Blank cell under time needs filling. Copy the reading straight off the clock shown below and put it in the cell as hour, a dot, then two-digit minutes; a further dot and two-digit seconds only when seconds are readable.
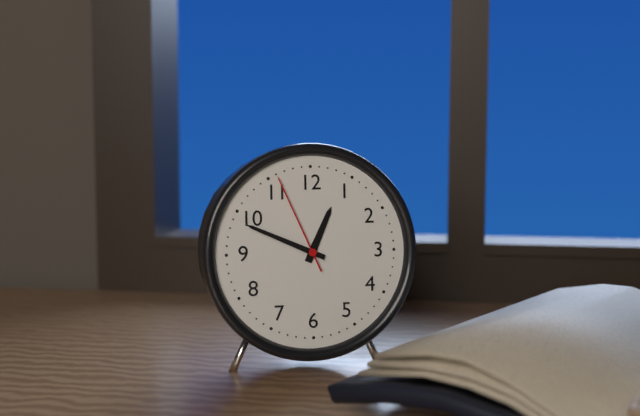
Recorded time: 12.49.56
